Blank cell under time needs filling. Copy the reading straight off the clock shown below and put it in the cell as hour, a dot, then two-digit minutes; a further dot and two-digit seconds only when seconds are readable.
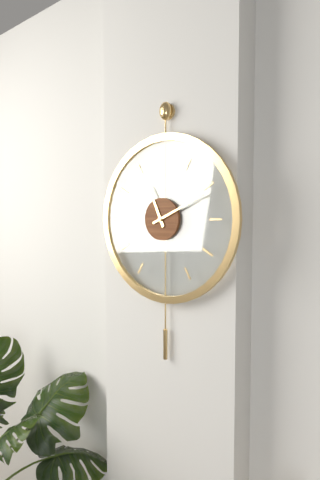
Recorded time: 11.11
